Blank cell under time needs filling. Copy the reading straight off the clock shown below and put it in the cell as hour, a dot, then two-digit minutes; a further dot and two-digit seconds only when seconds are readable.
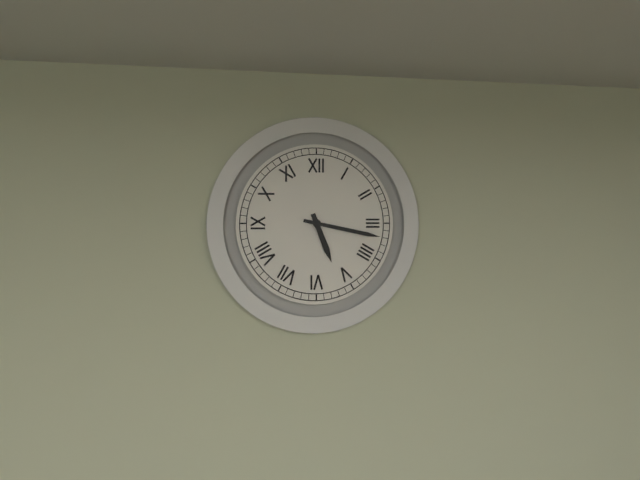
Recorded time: 5.17
